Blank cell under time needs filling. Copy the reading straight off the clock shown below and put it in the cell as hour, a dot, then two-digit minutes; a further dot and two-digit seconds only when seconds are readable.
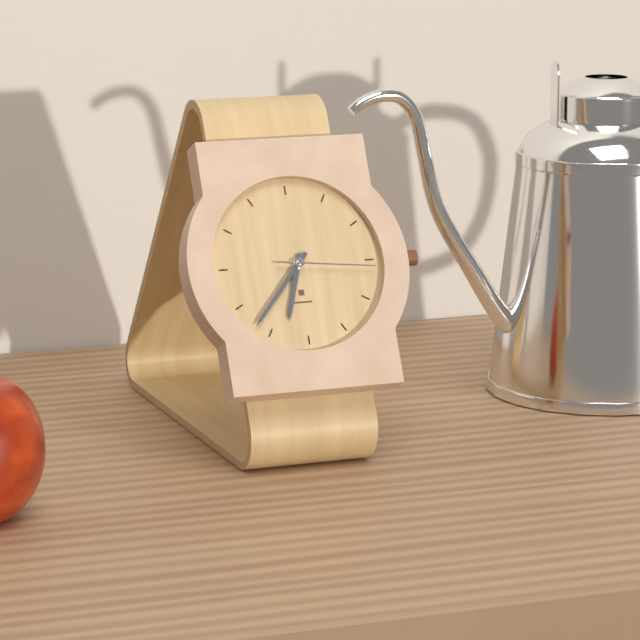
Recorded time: 6.37.16
